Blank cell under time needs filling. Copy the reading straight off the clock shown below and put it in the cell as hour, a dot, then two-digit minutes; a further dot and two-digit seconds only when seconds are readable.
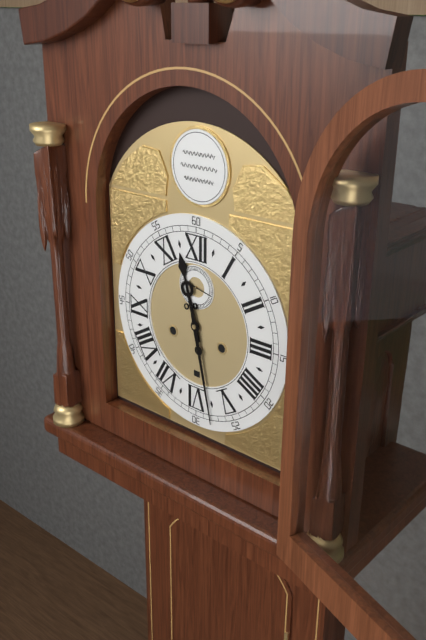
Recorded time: 11.28
